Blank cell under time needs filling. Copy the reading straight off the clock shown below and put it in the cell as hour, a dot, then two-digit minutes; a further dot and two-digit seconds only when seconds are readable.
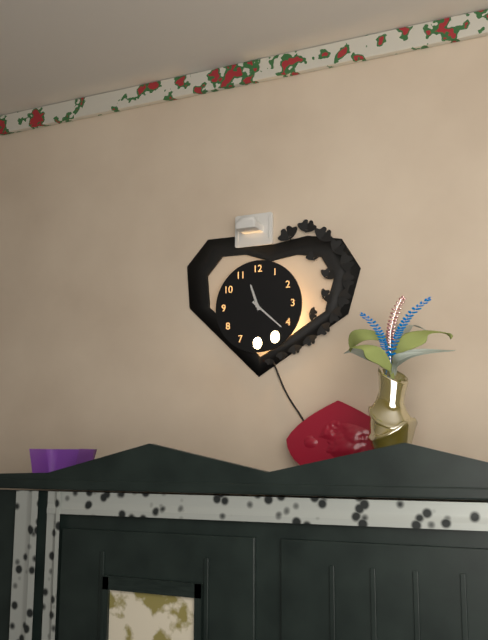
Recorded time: 11.22
